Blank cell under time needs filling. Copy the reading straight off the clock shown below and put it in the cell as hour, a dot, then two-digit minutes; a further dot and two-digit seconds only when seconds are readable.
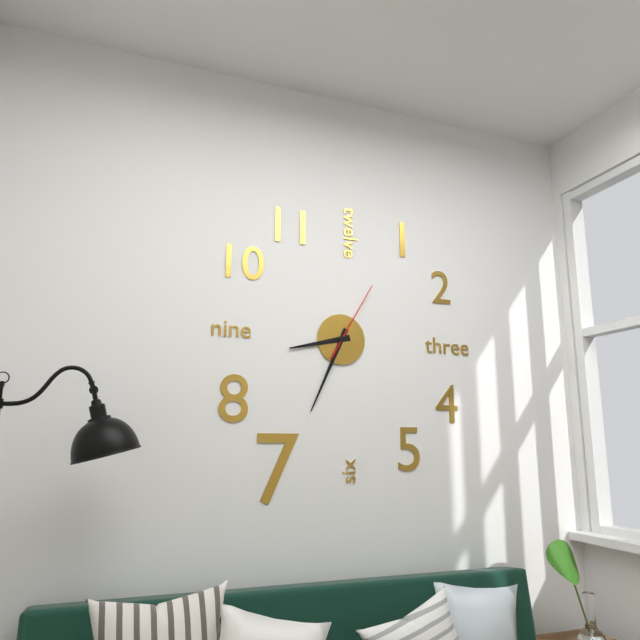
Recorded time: 8.34.05
